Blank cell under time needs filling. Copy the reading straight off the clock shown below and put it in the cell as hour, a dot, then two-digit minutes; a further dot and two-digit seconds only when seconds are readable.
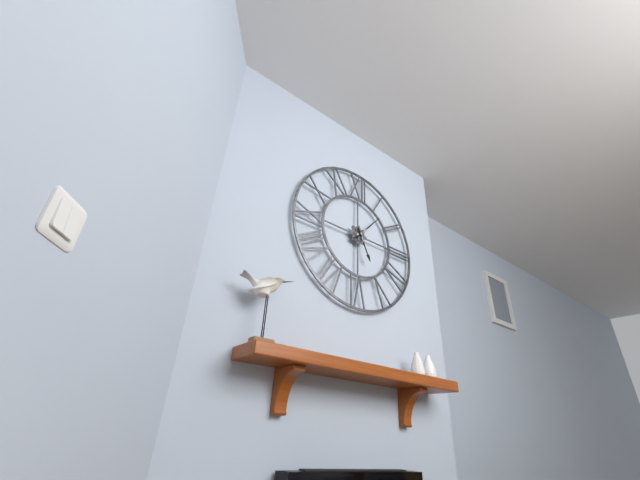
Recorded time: 5.07
